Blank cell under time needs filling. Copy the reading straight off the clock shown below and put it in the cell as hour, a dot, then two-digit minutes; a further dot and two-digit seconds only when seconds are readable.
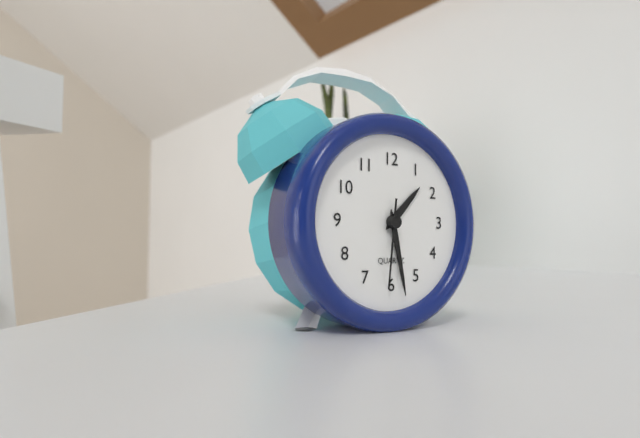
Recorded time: 1.28.31
